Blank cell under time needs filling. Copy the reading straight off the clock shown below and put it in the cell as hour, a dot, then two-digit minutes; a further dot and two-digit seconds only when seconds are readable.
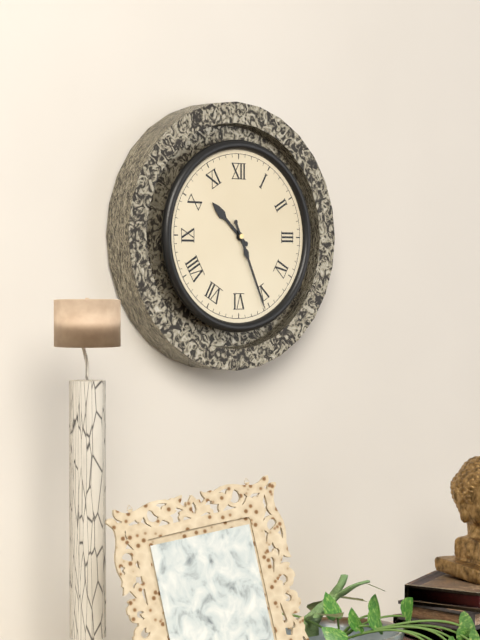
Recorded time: 10.26
